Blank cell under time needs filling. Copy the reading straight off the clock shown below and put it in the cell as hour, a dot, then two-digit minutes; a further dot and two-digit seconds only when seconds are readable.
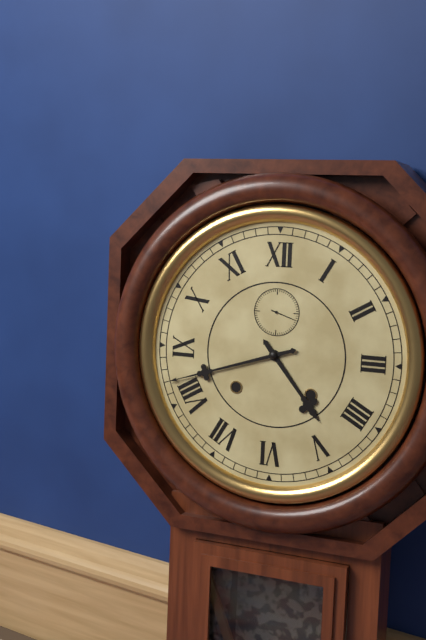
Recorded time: 4.42
